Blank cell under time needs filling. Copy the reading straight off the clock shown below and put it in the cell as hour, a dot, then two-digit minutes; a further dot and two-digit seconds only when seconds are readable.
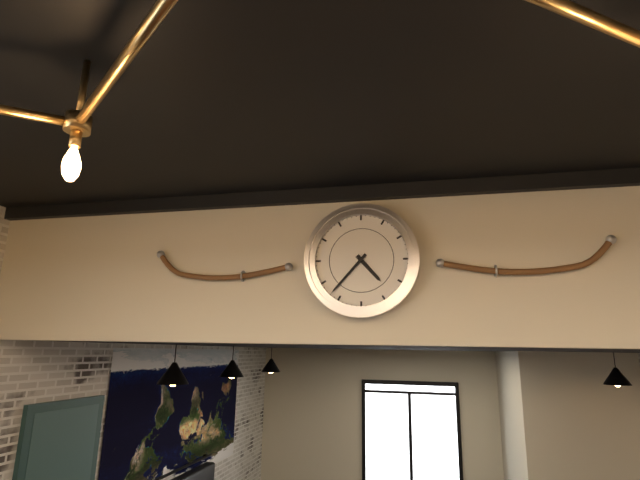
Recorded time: 4.37
